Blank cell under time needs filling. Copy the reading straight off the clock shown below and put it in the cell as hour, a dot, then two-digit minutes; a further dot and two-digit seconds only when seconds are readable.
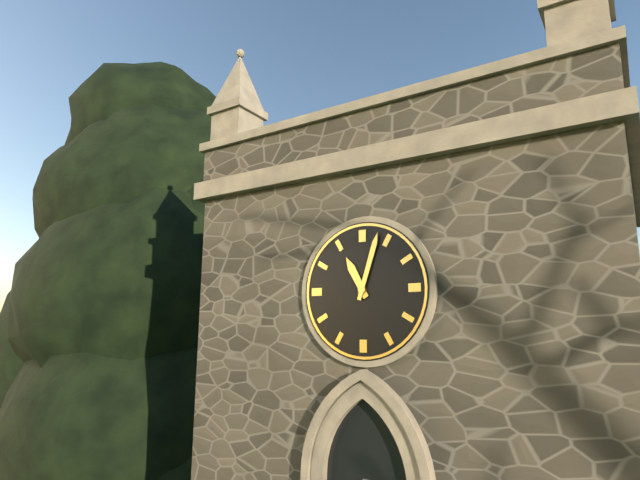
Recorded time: 11.03
